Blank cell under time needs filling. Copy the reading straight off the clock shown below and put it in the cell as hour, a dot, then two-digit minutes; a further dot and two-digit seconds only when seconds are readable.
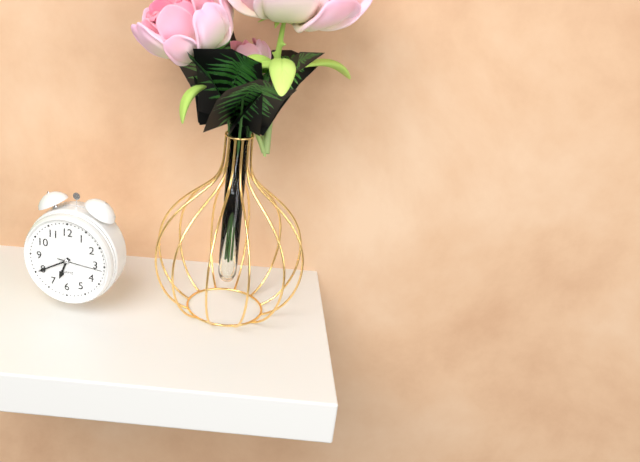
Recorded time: 6.40
